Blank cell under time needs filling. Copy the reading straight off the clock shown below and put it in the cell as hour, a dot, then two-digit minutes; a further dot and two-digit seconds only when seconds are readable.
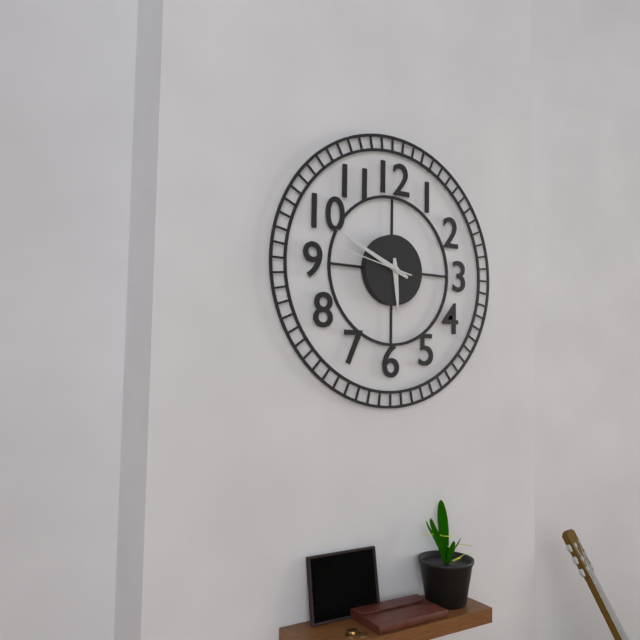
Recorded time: 5.49.47
